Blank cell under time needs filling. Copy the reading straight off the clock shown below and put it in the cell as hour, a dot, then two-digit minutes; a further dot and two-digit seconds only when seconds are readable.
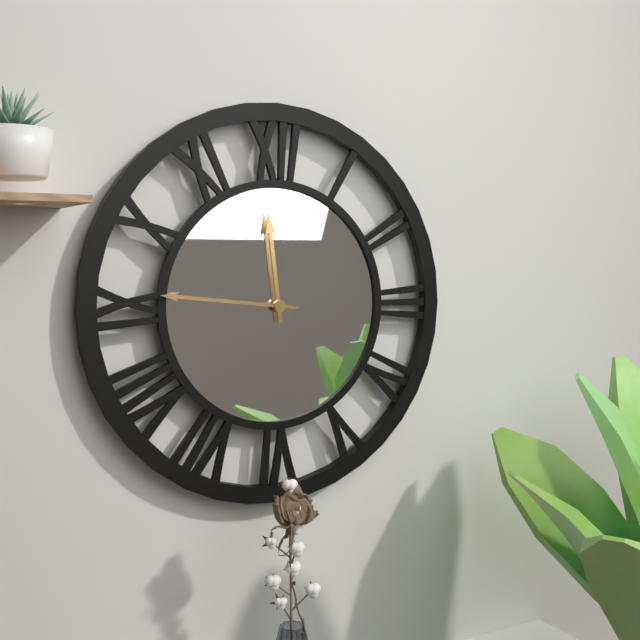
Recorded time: 11.46
